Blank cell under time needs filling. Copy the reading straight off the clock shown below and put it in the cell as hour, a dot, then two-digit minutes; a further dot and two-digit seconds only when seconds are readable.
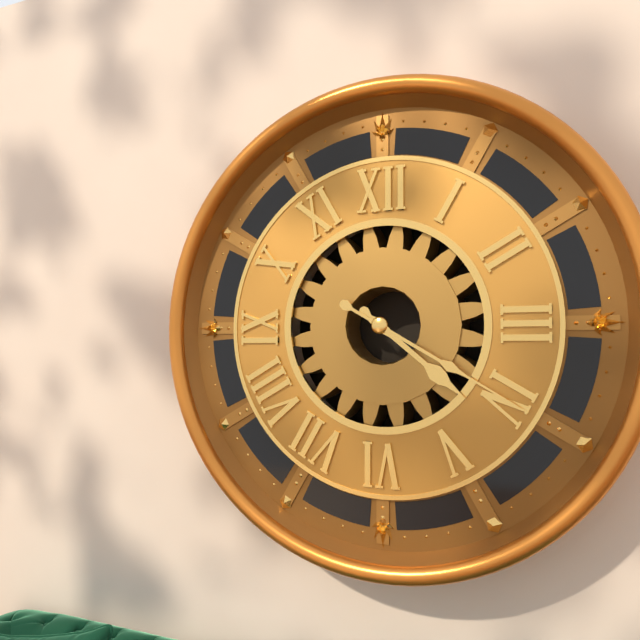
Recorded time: 4.20
